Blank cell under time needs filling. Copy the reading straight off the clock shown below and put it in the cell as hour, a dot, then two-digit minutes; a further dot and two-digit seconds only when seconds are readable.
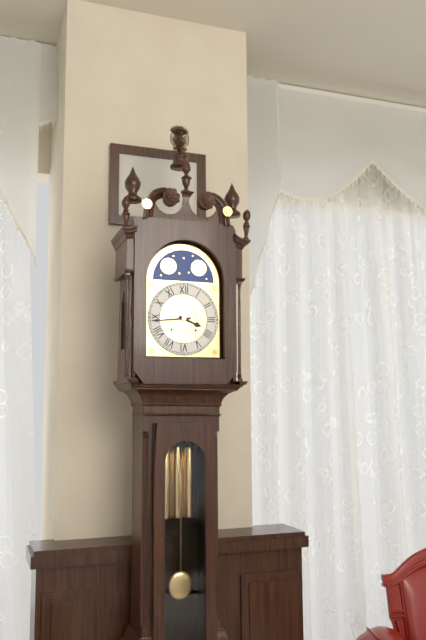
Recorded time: 3.44
